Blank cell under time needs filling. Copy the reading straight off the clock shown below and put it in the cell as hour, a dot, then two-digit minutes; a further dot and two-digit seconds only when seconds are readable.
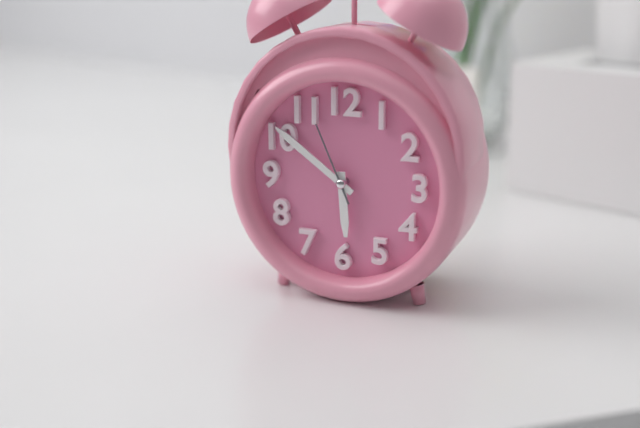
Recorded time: 5.51.56
